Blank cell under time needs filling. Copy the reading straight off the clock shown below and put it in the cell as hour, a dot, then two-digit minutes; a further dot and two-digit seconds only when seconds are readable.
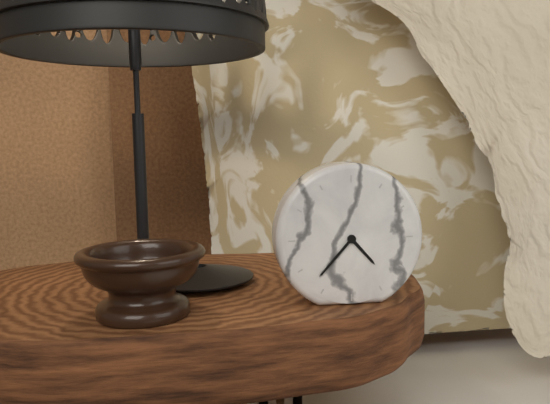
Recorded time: 4.37
